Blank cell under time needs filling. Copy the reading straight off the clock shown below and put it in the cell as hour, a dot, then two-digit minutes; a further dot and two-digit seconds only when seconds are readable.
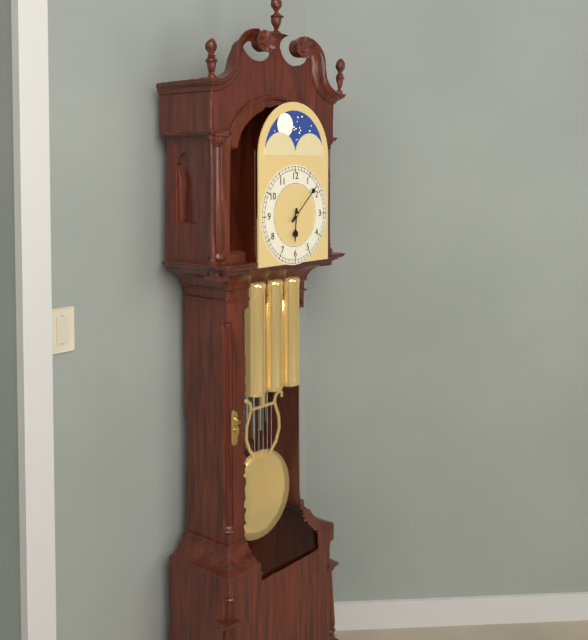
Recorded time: 6.08
